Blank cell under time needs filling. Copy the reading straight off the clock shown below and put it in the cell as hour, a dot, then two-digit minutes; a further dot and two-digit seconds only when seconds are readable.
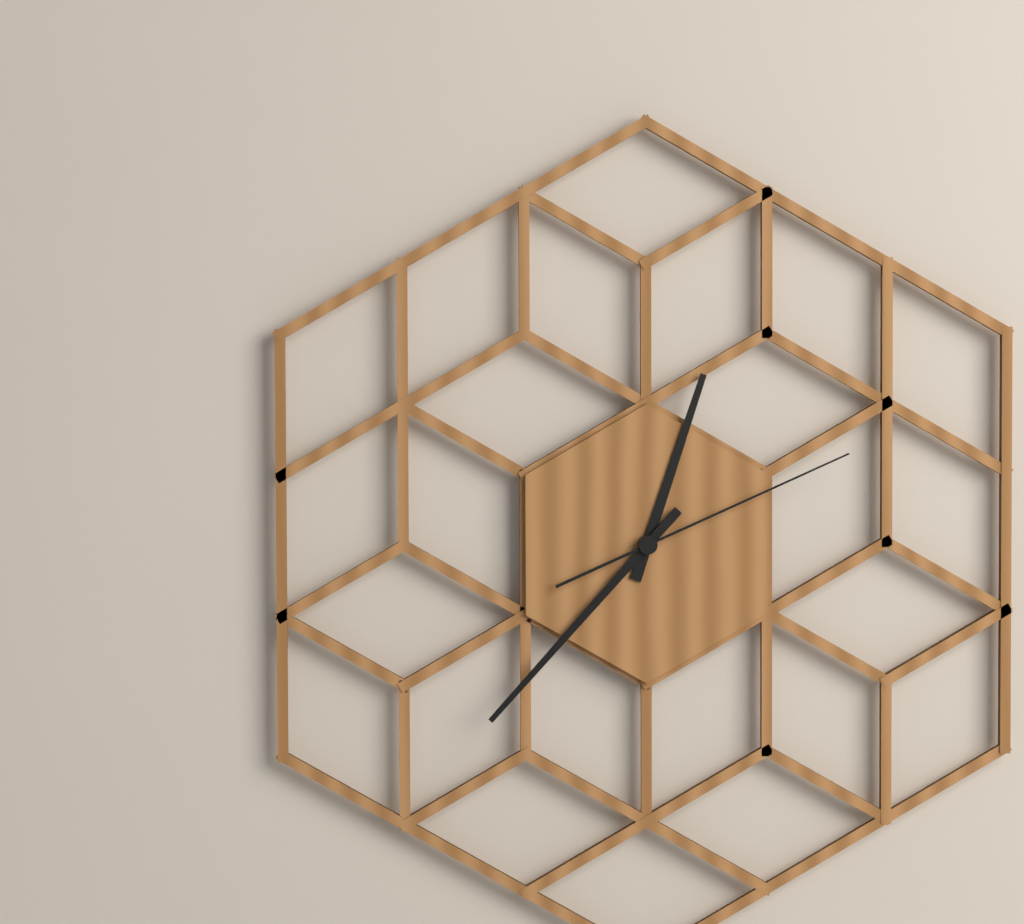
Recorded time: 12.37.11
